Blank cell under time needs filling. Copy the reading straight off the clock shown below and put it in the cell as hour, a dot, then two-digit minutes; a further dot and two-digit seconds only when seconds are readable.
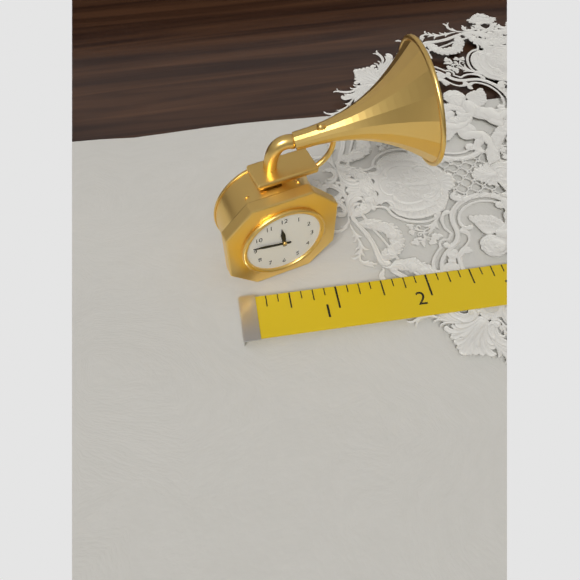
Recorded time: 11.47
